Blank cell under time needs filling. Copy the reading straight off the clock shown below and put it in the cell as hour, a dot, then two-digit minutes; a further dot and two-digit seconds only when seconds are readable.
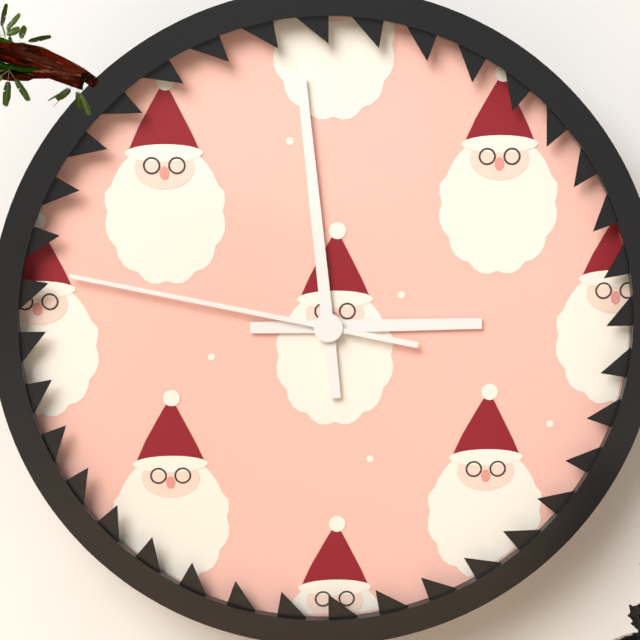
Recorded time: 2.59.47
